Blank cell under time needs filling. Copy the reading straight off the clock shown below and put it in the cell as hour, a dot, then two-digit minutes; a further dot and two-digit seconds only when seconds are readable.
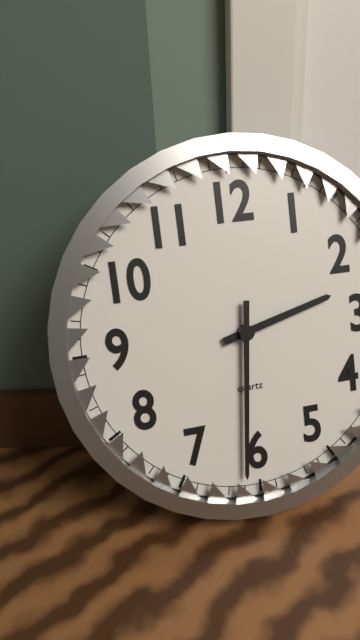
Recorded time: 2.31
